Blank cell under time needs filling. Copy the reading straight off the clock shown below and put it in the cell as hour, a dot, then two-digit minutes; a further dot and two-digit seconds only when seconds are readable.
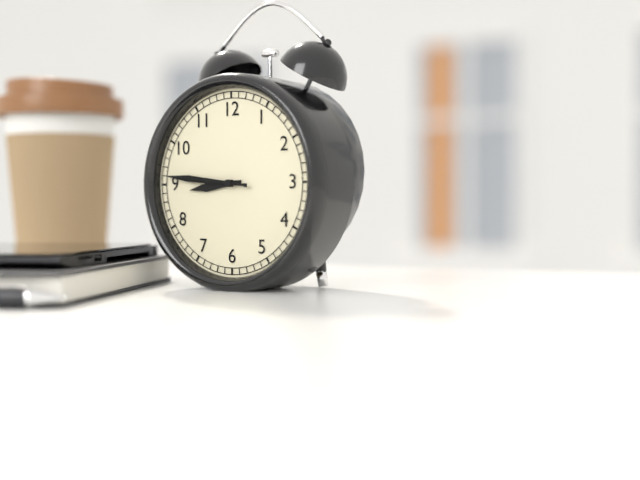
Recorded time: 8.46.46
